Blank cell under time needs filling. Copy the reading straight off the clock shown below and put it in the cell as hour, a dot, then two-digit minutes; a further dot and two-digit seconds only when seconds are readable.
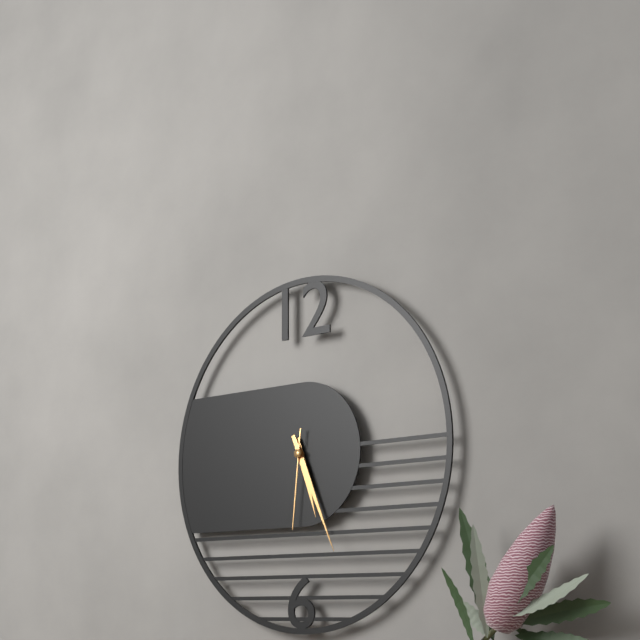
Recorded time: 5.26.31
